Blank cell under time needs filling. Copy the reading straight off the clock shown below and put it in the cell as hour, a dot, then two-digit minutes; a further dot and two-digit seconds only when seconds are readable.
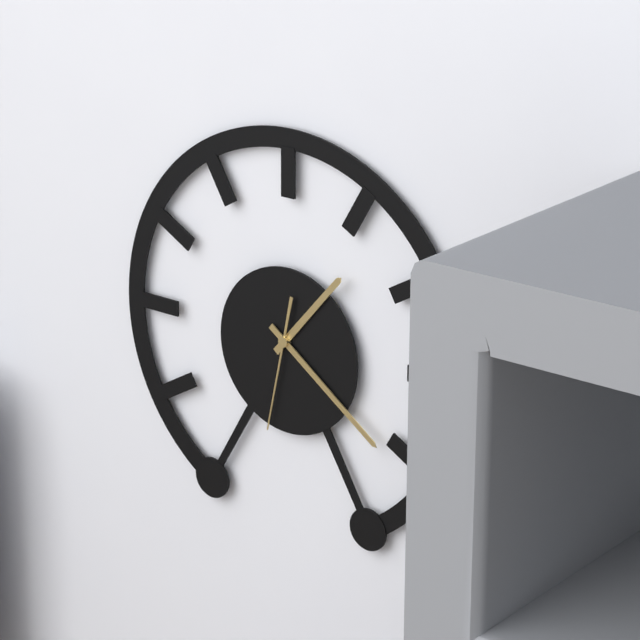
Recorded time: 1.21.32
